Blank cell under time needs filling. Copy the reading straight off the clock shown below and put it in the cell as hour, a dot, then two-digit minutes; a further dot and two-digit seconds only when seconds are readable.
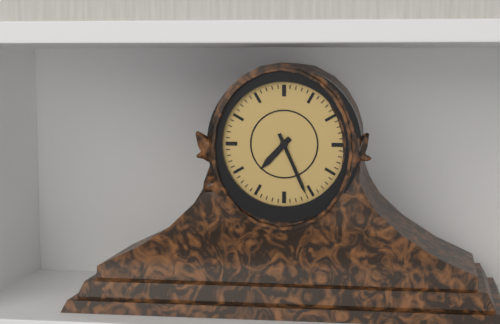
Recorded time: 7.26
